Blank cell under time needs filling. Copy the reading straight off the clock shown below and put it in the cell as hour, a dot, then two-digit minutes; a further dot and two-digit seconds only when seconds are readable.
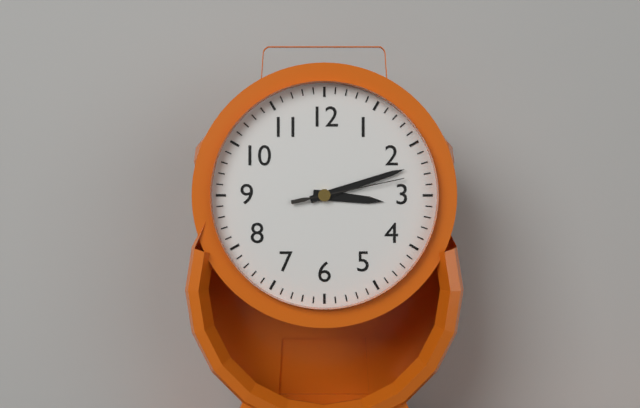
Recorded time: 3.12.13
